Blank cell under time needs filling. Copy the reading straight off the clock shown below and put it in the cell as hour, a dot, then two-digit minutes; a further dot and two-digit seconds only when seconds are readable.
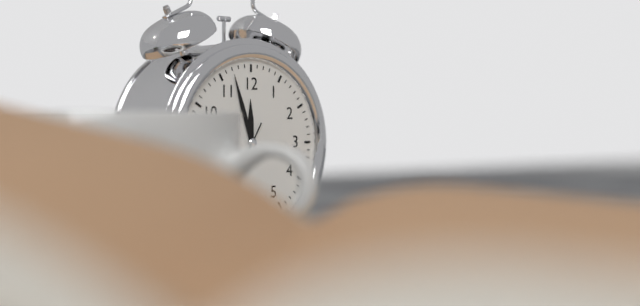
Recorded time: 11.57
